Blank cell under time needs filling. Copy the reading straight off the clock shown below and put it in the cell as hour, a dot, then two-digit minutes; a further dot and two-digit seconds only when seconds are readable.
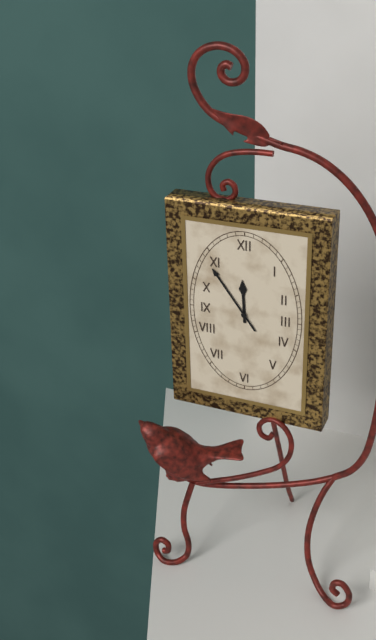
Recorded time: 11.54
